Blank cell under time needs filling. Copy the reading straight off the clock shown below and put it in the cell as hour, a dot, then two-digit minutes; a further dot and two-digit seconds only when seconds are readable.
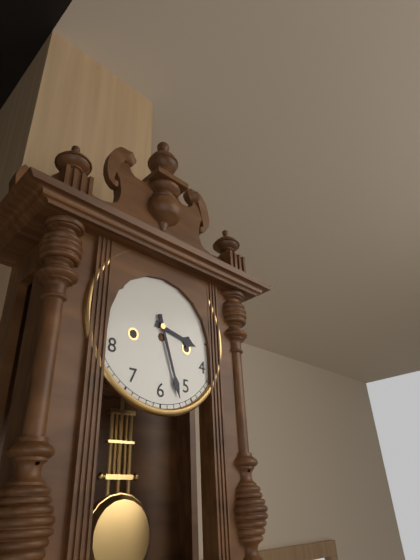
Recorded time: 3.27
